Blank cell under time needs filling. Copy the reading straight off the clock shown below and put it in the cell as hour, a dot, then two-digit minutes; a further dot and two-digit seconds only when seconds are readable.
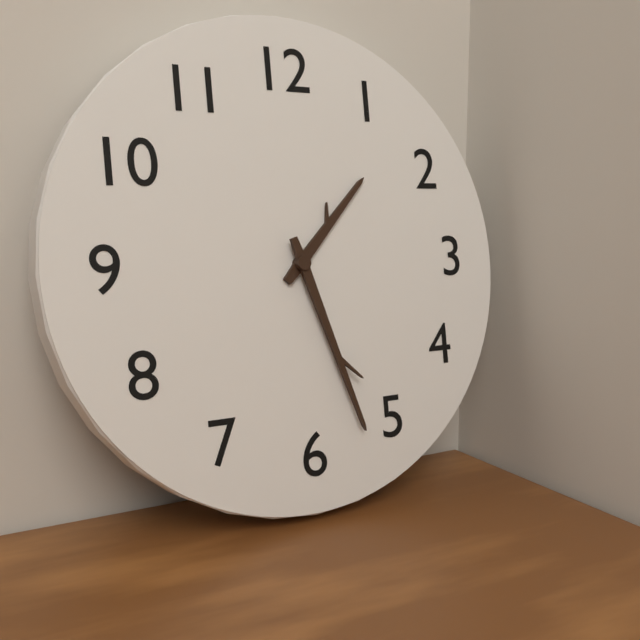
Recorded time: 1.27
